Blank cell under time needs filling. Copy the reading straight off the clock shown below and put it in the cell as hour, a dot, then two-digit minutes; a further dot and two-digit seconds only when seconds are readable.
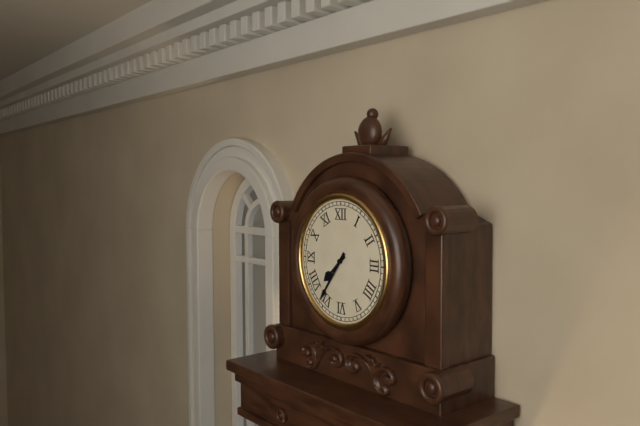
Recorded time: 7.36
